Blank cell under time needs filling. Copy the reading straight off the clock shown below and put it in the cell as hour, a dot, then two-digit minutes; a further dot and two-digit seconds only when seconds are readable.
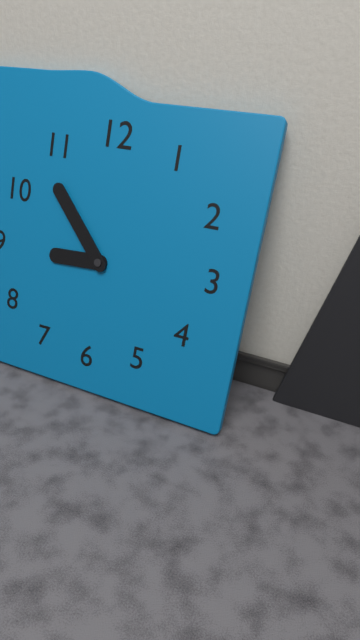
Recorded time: 8.53
